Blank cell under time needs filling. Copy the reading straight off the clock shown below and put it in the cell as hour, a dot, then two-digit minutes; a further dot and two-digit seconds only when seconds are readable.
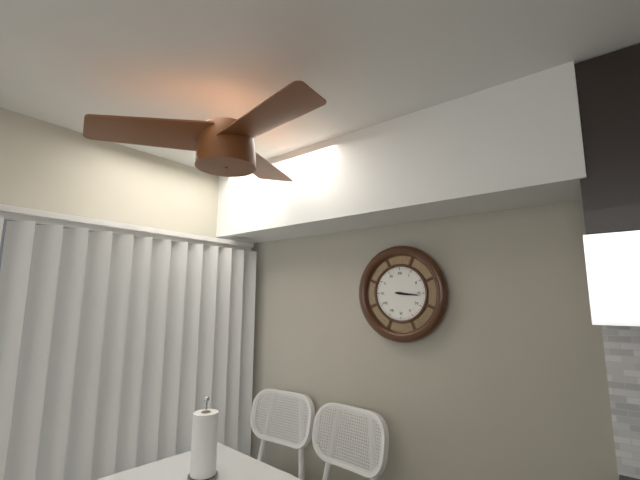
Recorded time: 3.16
